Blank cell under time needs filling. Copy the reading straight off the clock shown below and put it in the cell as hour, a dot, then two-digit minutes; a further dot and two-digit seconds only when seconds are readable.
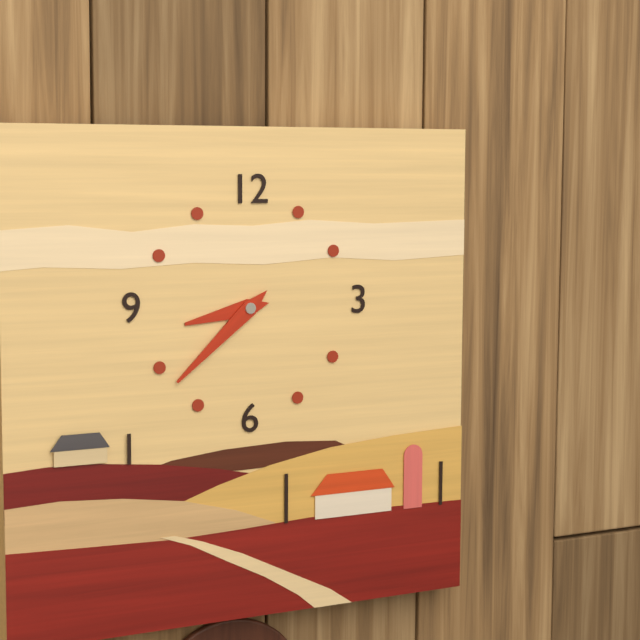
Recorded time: 8.38
